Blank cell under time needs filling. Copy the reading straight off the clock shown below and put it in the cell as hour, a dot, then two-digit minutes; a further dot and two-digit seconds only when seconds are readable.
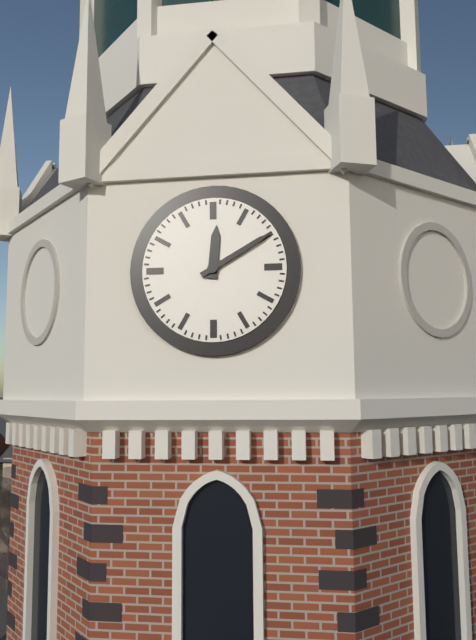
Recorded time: 12.10
